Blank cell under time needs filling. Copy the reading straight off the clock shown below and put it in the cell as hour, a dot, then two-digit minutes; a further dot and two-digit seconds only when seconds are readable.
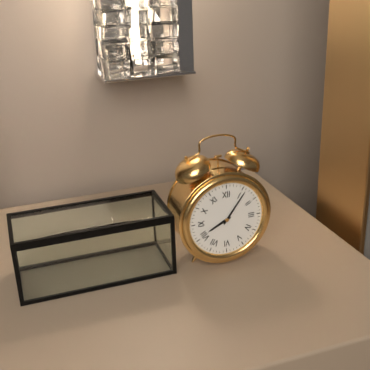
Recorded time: 8.06
